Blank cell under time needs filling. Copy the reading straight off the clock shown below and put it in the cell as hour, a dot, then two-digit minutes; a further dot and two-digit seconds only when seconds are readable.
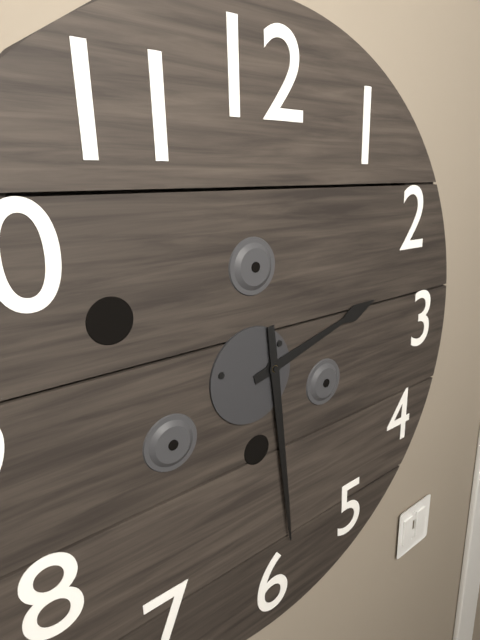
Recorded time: 2.29
